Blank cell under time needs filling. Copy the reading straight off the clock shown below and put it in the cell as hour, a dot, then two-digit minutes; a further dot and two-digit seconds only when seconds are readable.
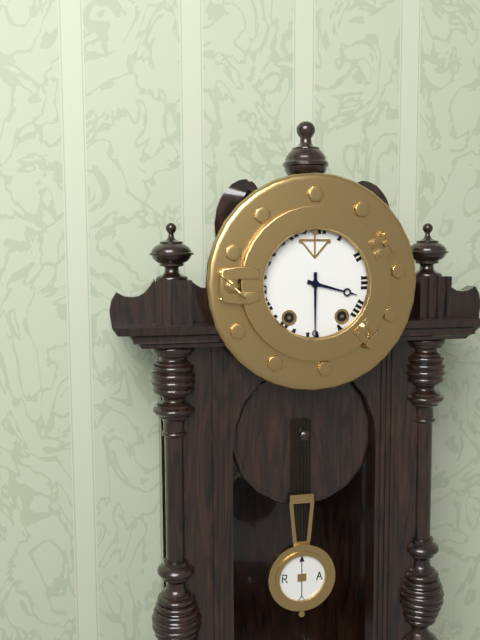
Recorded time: 3.30
